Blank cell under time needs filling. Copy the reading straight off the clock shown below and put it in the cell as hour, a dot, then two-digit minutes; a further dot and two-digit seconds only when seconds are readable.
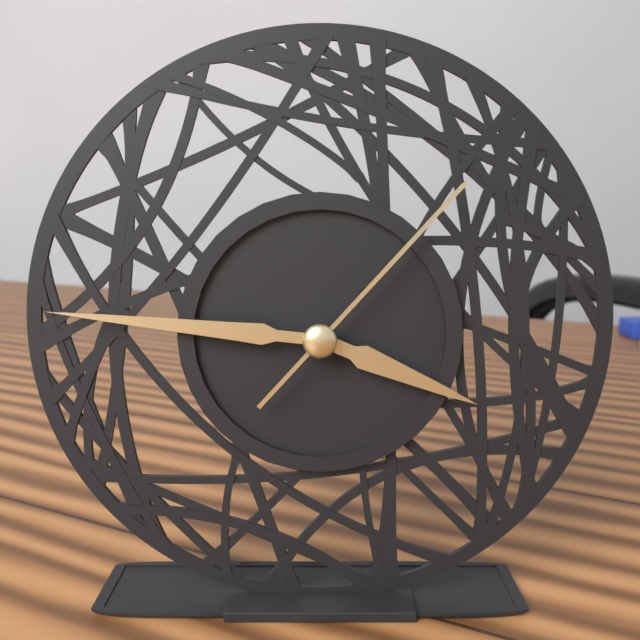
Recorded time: 3.46.07
